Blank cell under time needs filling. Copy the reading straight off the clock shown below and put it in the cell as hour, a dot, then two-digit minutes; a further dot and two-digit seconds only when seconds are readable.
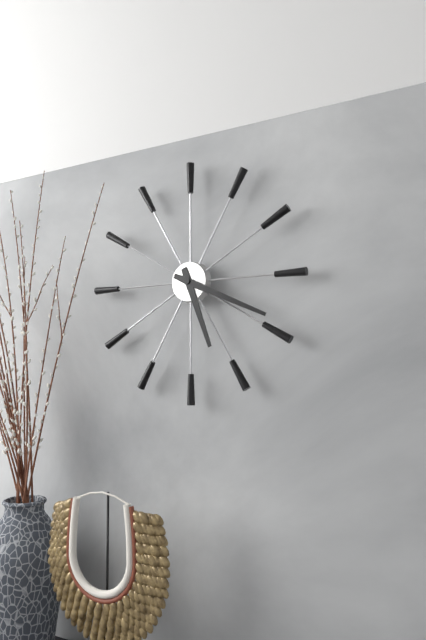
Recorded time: 5.19
